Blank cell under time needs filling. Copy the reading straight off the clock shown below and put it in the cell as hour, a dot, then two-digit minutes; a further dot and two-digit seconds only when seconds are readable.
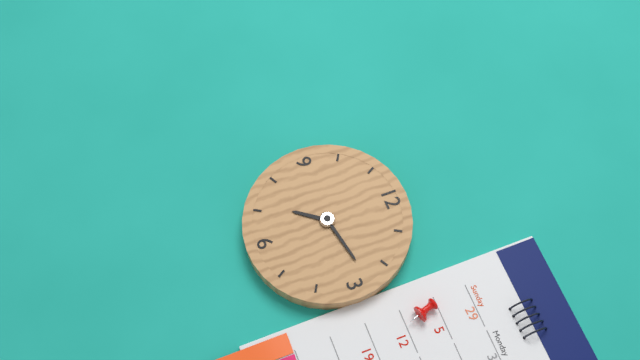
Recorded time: 7.13
